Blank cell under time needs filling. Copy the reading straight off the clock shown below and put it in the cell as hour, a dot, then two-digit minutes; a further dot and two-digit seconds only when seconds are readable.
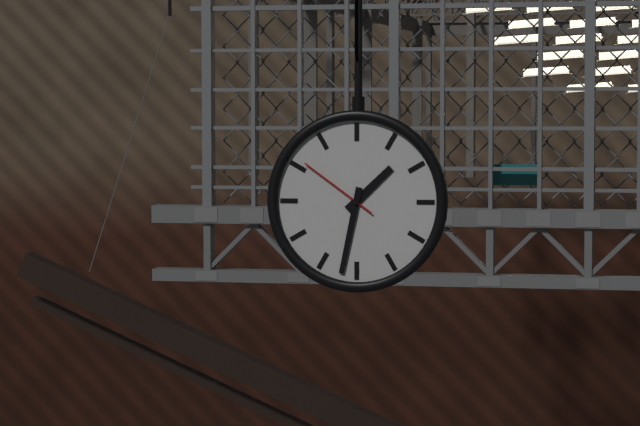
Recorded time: 1.32.51
